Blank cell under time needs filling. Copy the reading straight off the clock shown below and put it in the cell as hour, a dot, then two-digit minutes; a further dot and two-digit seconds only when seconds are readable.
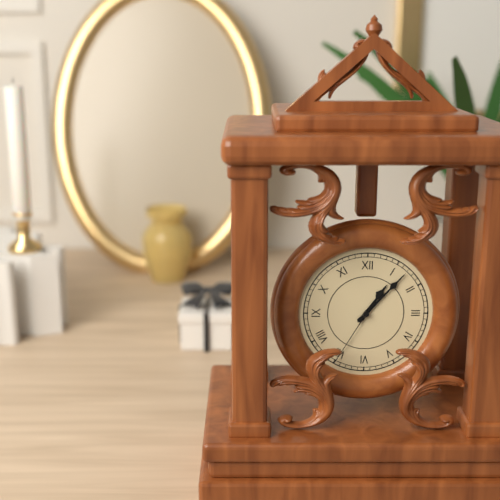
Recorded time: 1.07.35
